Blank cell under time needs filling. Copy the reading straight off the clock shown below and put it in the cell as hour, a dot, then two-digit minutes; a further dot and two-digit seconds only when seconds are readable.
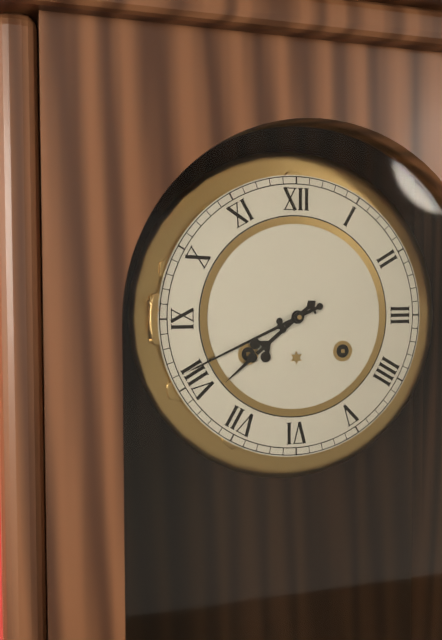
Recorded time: 7.41
